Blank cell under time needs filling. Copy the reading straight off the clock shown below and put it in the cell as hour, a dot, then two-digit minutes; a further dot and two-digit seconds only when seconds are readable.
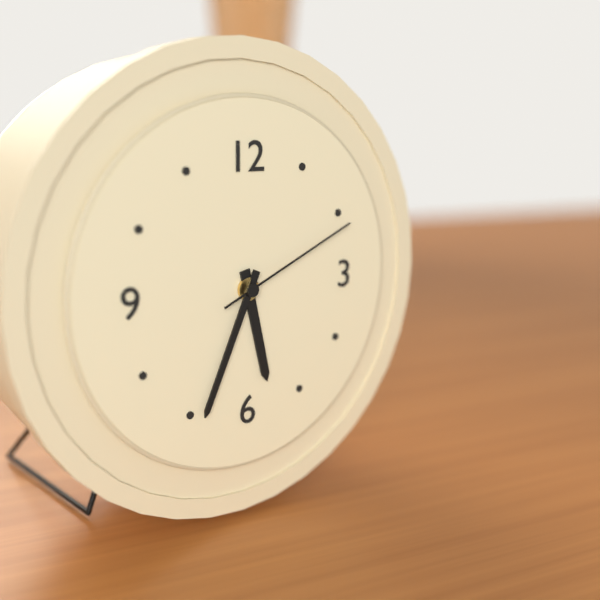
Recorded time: 5.34.11
